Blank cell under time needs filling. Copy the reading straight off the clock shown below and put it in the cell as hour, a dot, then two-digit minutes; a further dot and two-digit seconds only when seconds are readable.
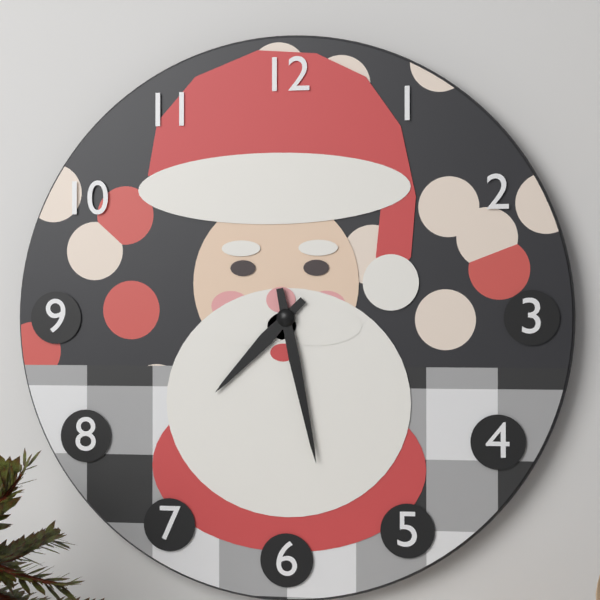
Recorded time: 7.28
